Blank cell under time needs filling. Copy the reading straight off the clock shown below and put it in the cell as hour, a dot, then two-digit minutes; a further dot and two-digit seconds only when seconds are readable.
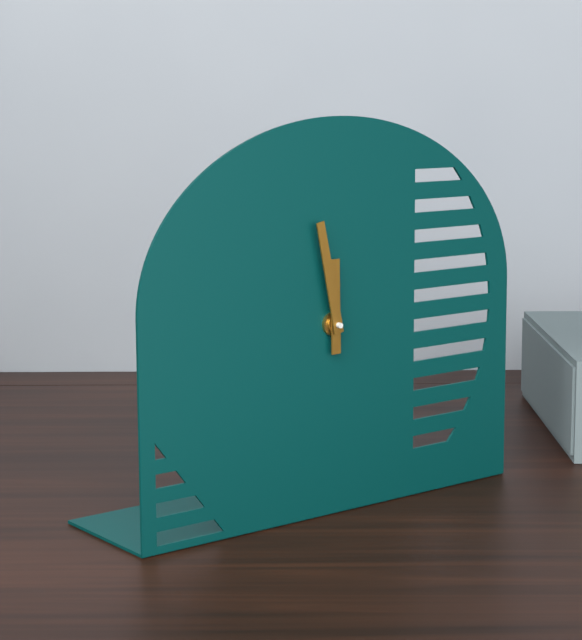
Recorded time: 11.58
